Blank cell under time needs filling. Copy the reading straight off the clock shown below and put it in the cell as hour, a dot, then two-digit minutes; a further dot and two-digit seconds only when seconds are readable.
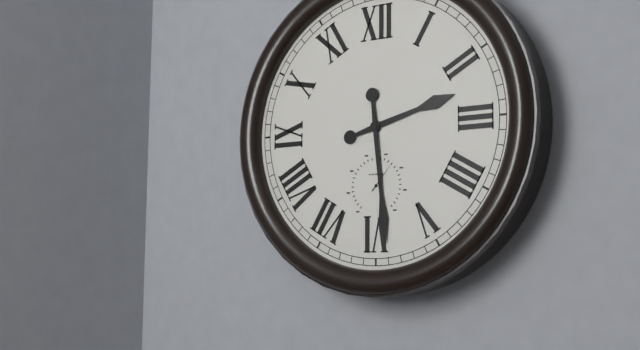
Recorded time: 2.29
